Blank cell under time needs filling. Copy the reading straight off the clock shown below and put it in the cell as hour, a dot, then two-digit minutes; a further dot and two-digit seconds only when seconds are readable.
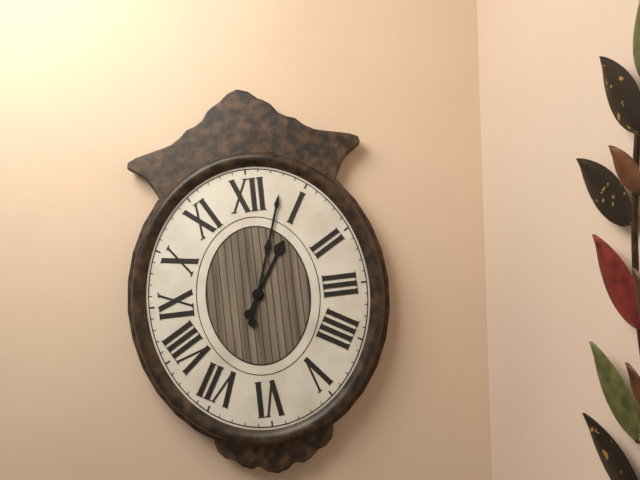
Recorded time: 1.03
